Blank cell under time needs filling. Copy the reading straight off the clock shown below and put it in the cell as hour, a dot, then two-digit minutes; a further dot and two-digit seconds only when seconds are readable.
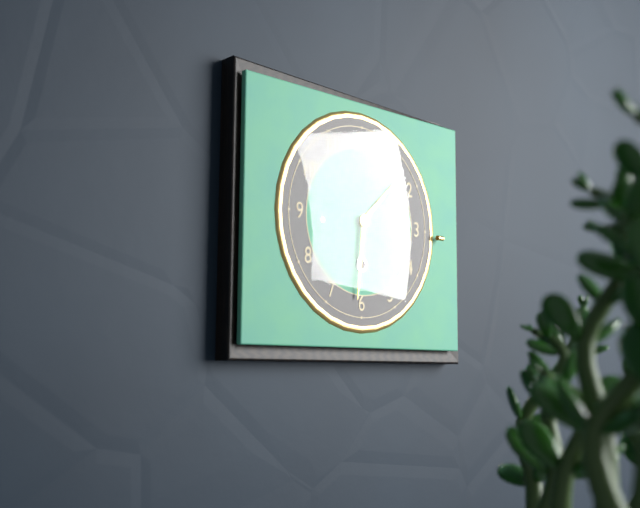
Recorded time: 1.31
